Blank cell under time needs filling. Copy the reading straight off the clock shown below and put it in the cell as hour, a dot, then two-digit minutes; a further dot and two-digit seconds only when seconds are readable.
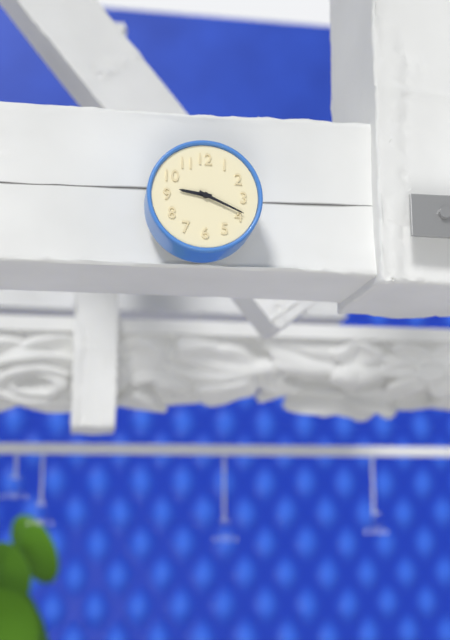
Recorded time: 9.19
